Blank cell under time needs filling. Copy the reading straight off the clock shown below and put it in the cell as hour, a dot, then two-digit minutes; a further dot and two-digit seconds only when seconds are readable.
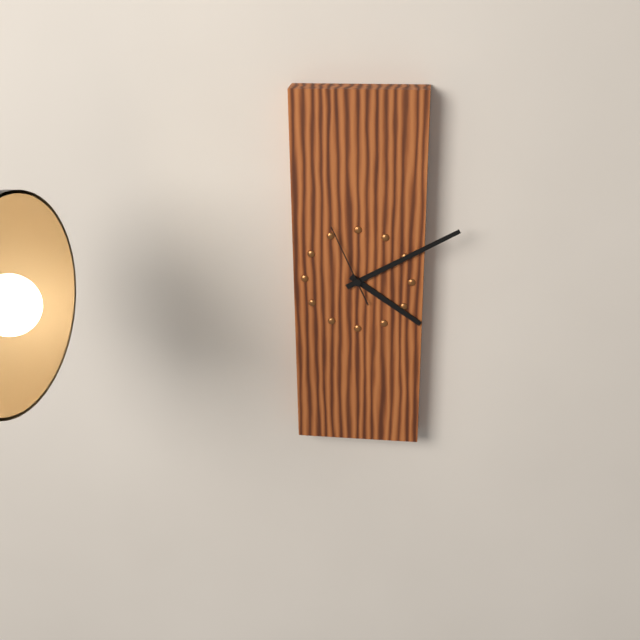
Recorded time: 4.10.56
